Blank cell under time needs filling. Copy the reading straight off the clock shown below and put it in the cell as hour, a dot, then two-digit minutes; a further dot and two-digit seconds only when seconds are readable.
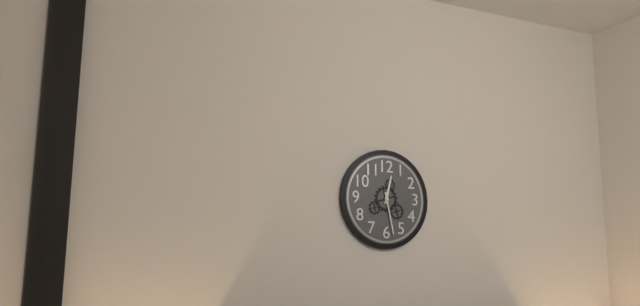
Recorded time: 12.28
